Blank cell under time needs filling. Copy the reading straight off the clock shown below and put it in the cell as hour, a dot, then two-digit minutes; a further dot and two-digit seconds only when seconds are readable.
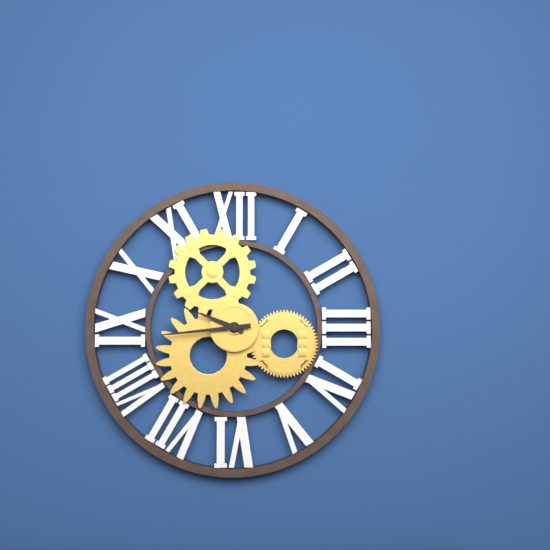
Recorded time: 9.44
